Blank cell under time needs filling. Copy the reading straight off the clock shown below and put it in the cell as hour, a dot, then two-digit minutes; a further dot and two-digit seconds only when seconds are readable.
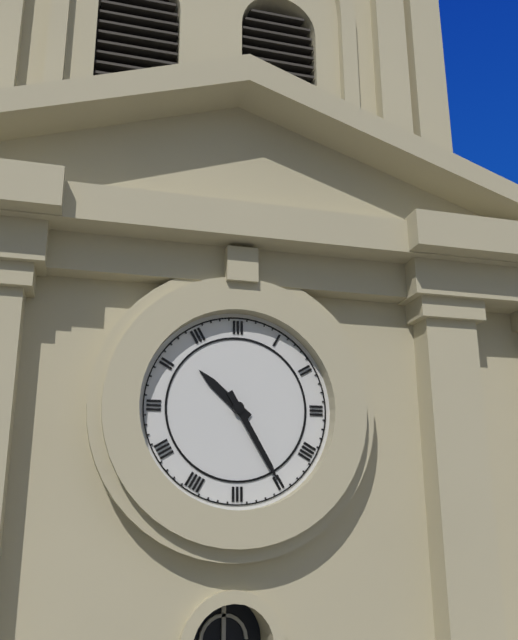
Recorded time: 10.25
